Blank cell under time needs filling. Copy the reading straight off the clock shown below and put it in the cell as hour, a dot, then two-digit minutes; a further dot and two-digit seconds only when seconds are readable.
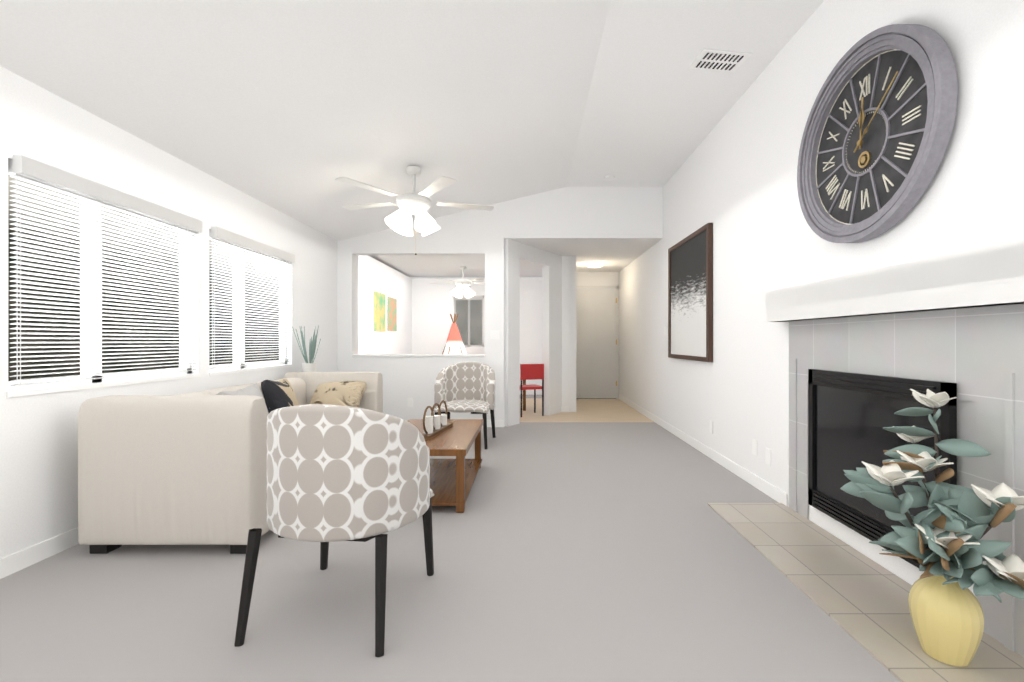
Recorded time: 12.08
